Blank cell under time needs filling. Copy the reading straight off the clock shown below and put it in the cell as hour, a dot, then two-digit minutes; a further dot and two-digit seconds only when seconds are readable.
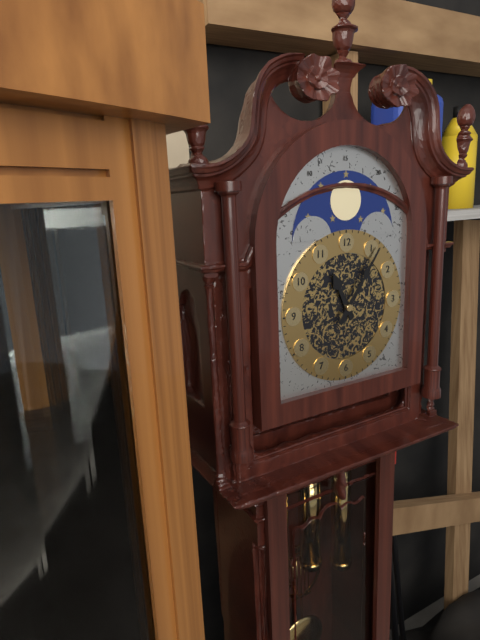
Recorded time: 11.06
